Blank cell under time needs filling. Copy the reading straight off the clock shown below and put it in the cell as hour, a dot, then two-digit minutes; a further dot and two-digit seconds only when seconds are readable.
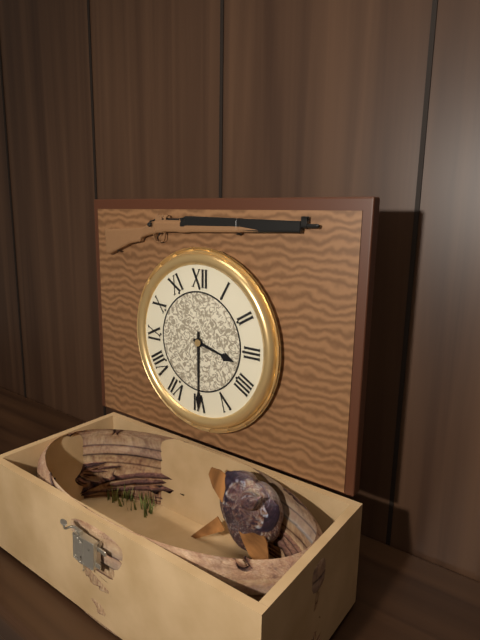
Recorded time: 3.30
